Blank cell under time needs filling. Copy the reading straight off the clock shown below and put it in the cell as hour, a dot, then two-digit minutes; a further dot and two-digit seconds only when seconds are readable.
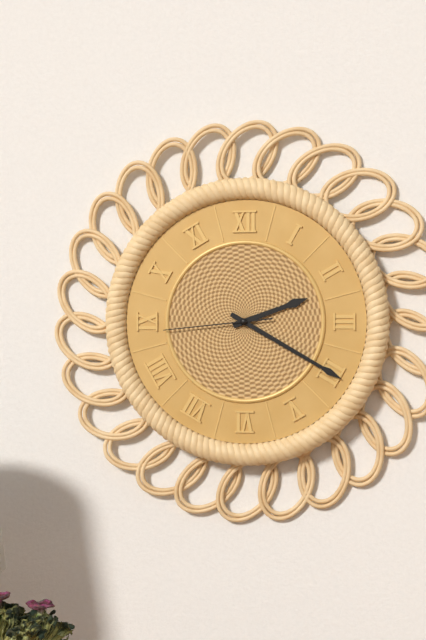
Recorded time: 2.20.44
